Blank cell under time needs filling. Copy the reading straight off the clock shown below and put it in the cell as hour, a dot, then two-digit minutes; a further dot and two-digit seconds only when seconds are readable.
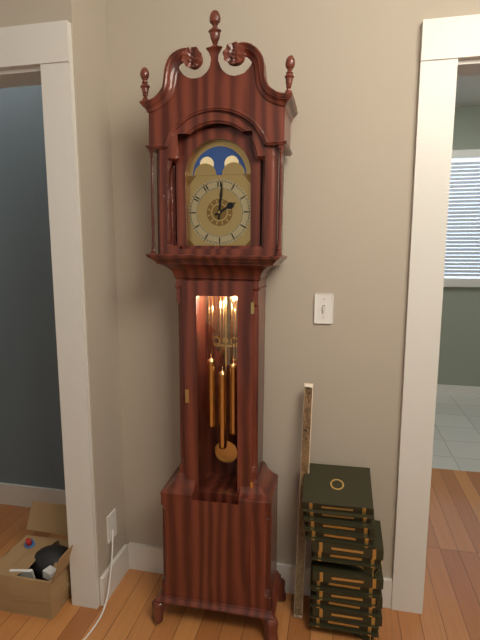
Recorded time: 2.01
